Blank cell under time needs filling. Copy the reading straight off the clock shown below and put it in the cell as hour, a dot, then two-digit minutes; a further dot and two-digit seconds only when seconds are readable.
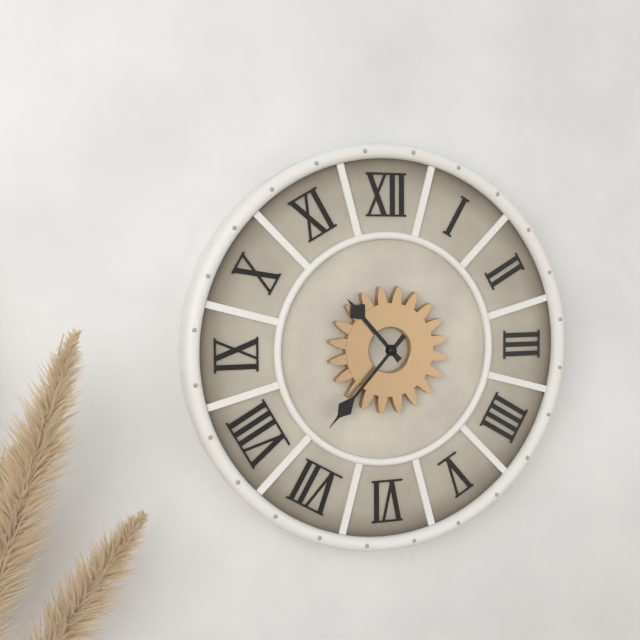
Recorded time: 10.37
